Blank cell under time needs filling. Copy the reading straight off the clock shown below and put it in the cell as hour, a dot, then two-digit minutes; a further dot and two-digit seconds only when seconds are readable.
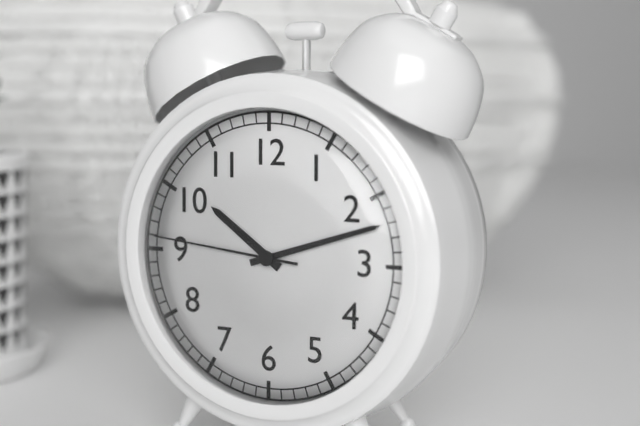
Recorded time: 10.12.46
